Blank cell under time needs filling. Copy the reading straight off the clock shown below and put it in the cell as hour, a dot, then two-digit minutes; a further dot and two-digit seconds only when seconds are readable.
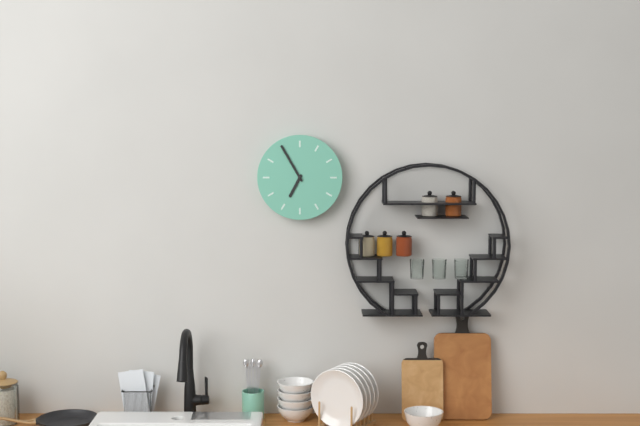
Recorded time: 6.55
